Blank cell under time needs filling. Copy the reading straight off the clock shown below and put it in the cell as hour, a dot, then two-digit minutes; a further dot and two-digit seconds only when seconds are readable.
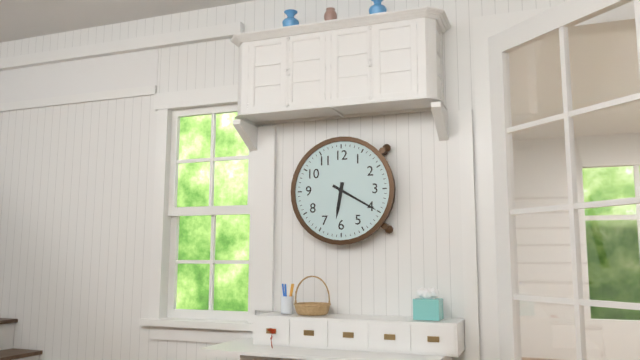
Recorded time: 6.20
